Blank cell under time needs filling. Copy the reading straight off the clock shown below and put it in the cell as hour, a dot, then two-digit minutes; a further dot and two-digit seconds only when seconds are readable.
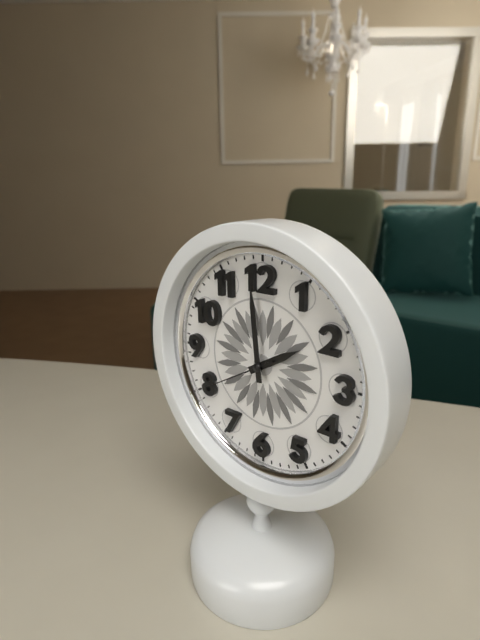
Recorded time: 1.59.40
